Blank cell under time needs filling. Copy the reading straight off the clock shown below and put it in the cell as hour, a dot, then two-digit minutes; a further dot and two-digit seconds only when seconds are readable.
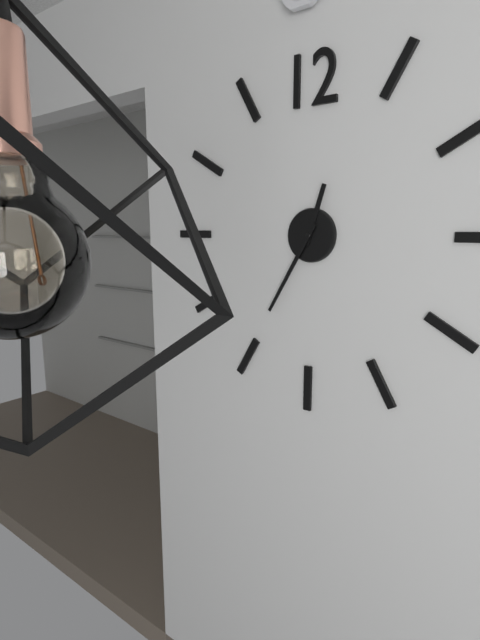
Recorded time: 12.35
